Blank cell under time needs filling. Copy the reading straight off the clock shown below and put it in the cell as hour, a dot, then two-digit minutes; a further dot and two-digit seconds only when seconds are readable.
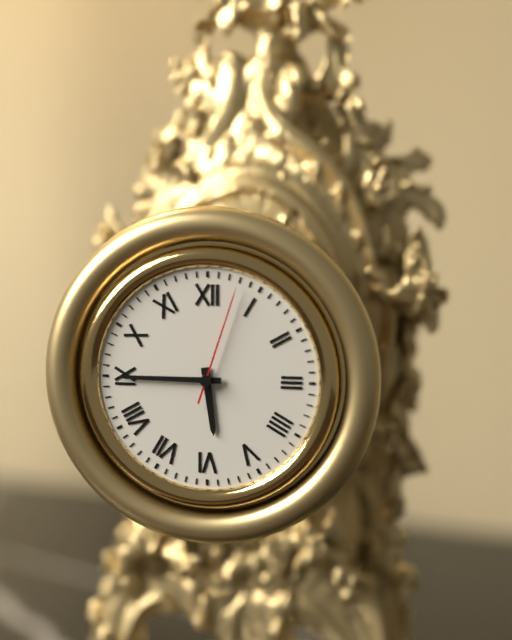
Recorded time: 5.45.03
